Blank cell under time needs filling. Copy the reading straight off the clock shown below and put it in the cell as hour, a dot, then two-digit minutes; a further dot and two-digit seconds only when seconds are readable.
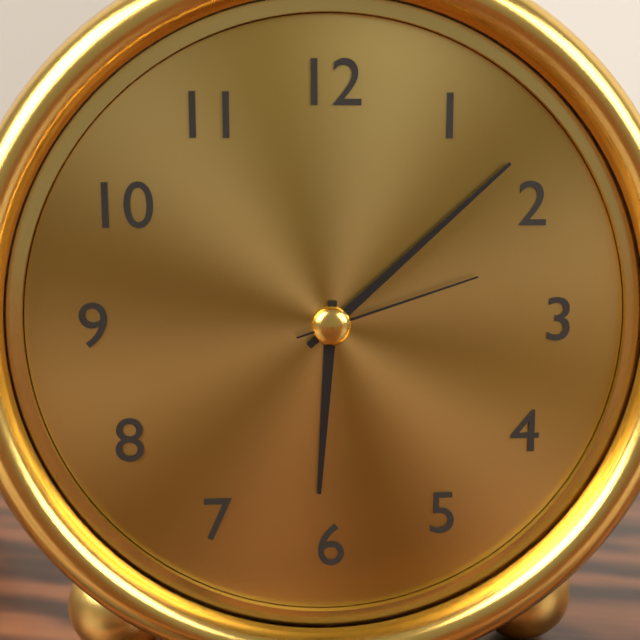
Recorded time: 6.08.12
